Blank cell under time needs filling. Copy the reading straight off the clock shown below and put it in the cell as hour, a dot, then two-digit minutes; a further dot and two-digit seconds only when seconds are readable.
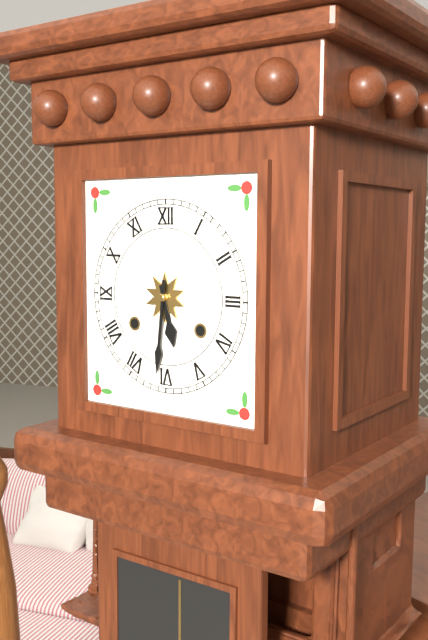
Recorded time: 5.31
